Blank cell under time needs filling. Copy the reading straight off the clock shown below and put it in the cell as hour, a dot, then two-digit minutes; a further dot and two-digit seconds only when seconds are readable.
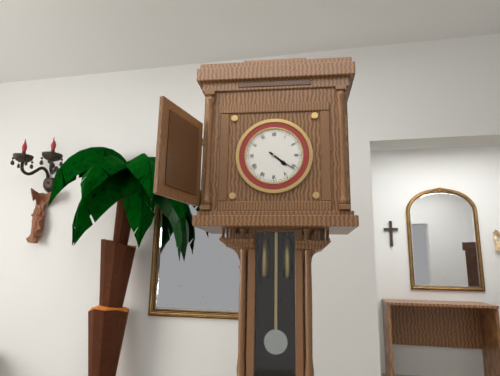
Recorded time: 4.21
